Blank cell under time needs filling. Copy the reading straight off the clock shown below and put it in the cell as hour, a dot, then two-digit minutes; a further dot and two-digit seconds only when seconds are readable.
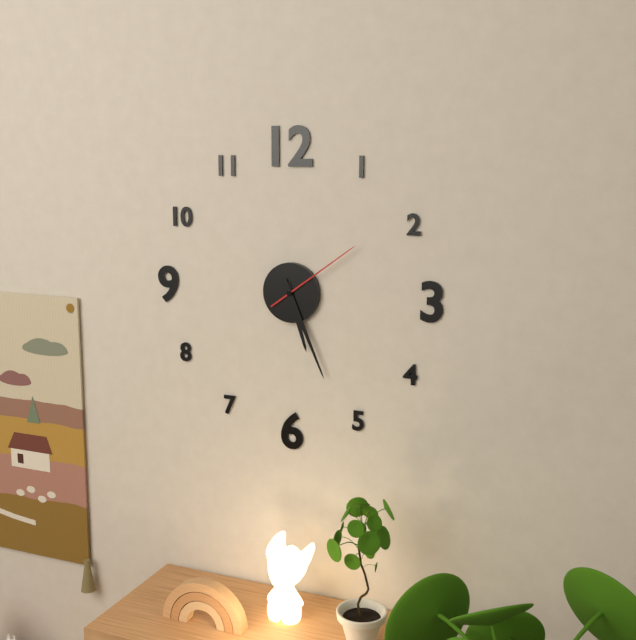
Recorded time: 5.26.09
